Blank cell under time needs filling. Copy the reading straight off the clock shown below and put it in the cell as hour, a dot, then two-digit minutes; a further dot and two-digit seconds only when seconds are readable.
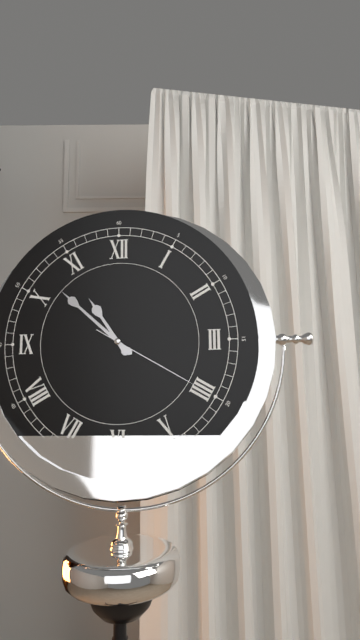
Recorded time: 10.52.20
